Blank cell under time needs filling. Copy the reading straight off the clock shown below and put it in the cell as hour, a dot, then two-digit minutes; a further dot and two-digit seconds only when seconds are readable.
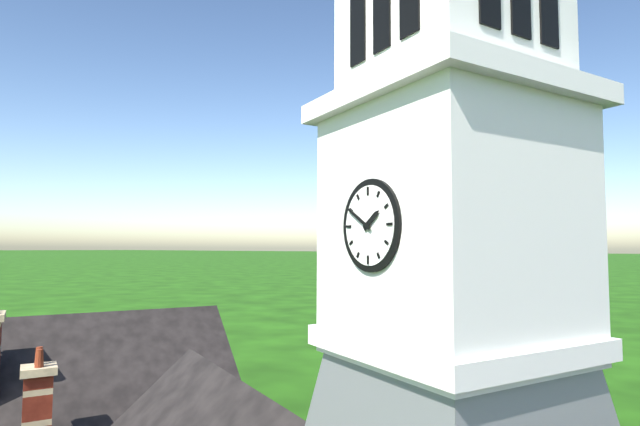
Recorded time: 1.50
